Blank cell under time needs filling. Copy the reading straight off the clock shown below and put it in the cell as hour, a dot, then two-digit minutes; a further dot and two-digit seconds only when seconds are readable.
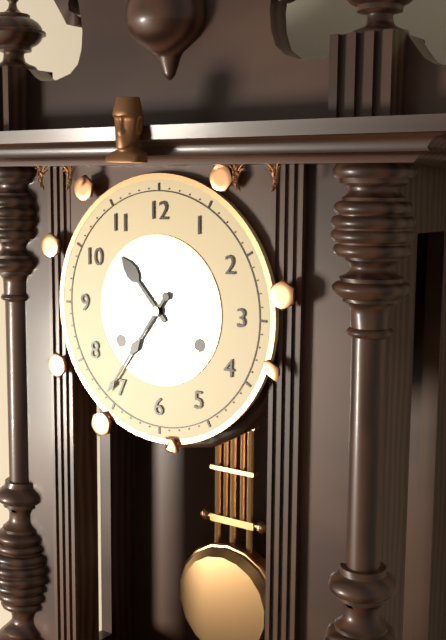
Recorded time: 10.36
